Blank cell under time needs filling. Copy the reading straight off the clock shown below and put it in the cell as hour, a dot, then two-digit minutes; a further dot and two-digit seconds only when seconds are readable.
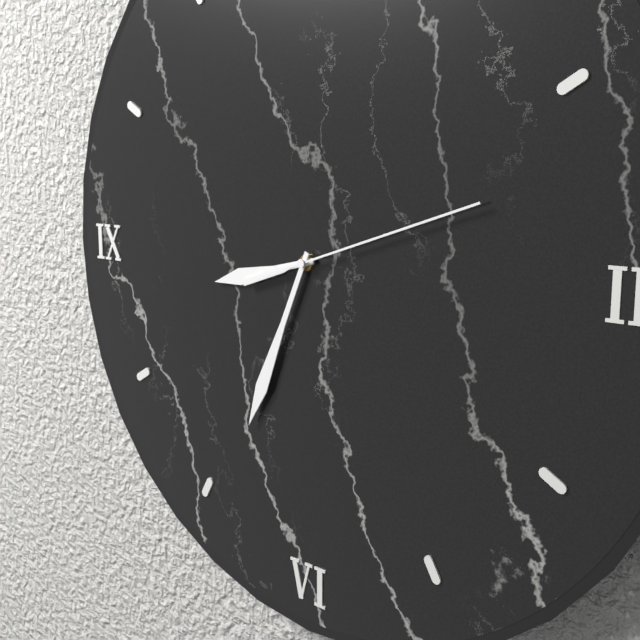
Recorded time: 8.34.12
